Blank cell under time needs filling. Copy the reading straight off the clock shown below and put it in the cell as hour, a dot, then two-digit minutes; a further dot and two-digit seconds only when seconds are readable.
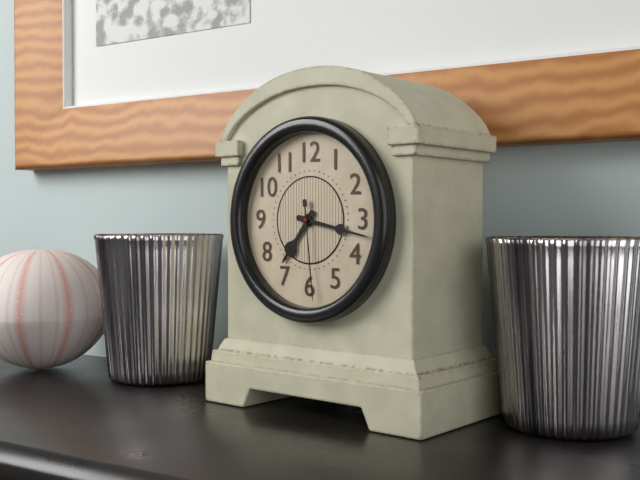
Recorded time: 7.17.29
